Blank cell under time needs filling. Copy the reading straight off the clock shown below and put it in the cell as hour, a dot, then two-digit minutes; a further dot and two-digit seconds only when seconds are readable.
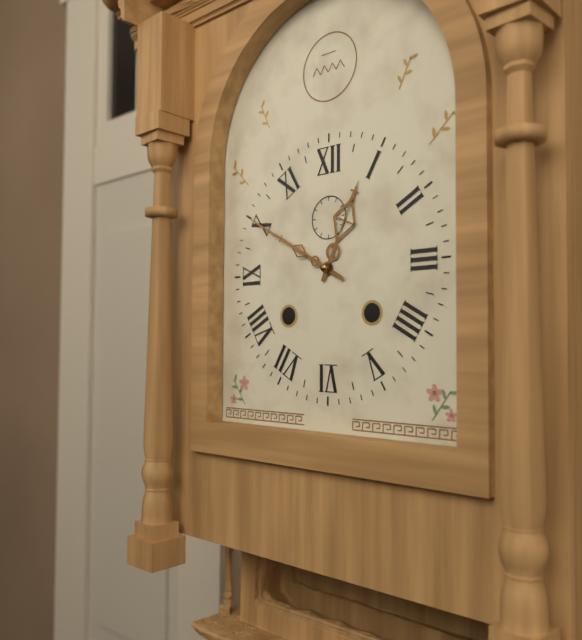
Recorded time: 12.50
